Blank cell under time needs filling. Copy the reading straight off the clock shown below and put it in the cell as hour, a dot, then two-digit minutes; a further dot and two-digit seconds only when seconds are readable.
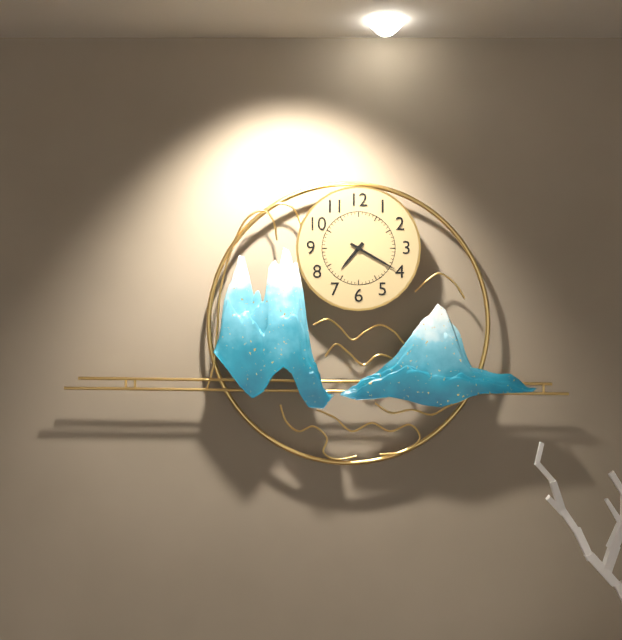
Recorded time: 7.20
